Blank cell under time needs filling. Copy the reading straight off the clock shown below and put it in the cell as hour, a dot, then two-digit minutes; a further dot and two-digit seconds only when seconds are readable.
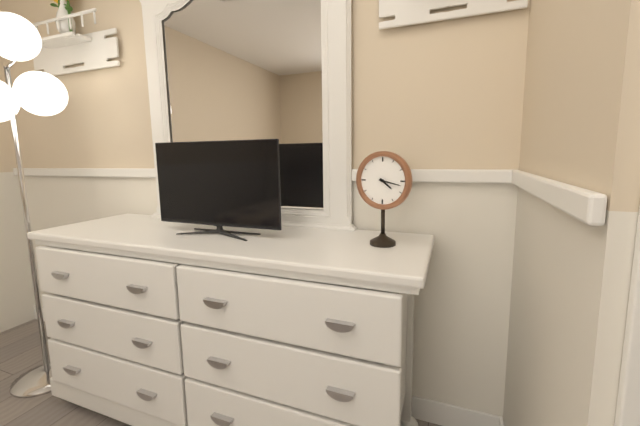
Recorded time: 4.17
